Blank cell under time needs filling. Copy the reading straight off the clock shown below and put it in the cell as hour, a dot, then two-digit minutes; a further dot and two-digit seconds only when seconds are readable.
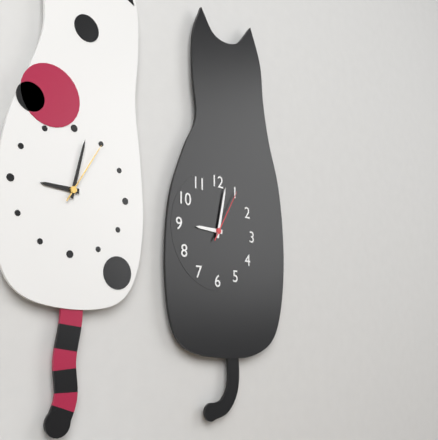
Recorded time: 9.02.05
